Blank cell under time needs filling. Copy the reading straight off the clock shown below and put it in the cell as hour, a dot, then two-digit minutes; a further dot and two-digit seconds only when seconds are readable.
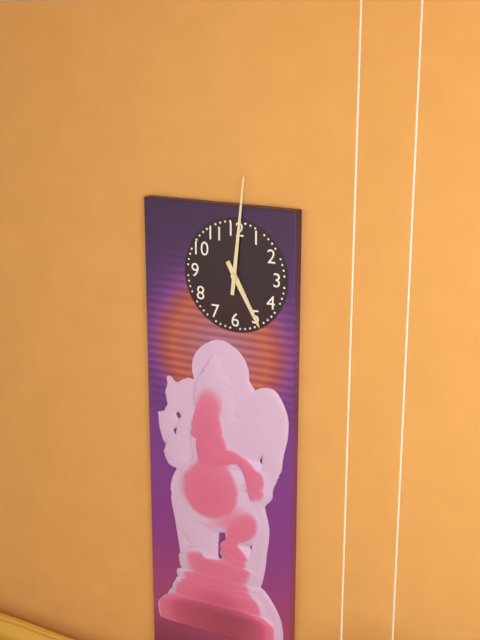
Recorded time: 5.01
